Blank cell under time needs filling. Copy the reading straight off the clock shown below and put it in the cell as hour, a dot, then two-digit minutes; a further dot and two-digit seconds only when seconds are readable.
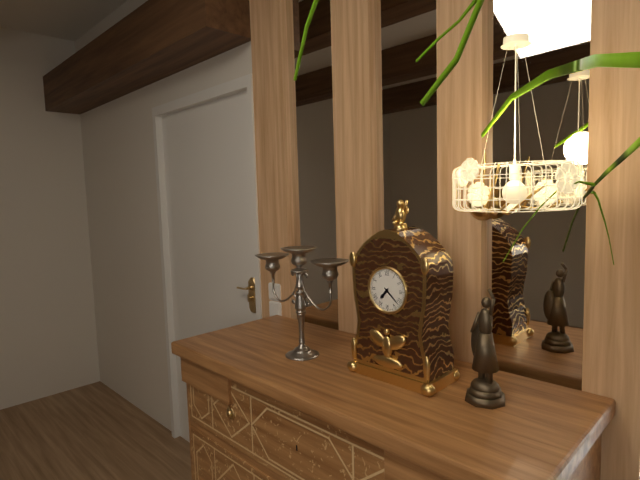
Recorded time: 7.22
